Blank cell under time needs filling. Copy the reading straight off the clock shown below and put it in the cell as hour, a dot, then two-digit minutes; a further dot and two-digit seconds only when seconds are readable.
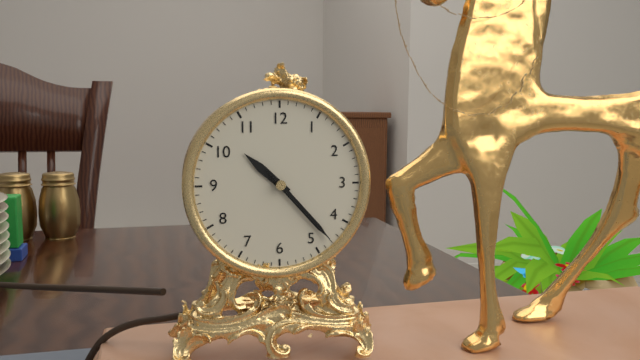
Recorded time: 10.23.23
